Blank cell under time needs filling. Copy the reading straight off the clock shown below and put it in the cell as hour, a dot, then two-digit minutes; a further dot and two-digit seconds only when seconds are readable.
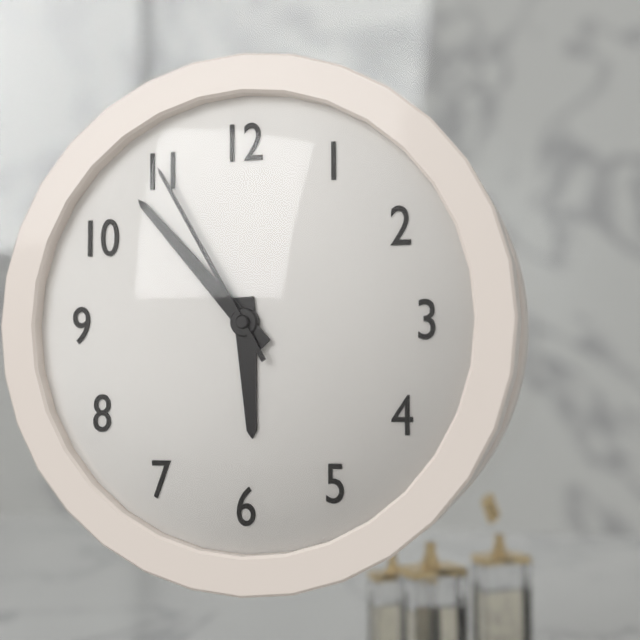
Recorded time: 5.53.55
